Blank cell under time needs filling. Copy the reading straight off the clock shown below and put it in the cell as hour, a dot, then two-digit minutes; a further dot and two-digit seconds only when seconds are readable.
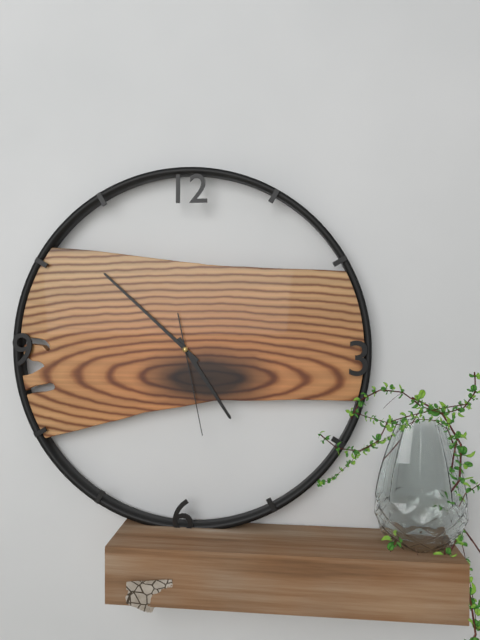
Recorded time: 4.52.28
